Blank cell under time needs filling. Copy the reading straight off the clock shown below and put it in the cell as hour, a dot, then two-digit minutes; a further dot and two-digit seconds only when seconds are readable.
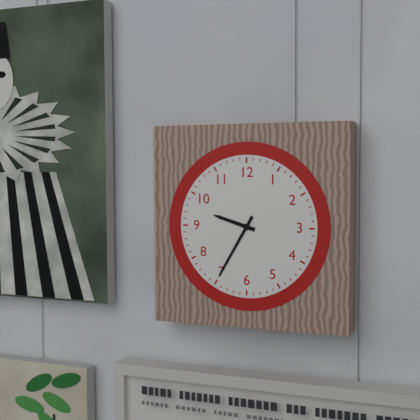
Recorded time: 9.35
